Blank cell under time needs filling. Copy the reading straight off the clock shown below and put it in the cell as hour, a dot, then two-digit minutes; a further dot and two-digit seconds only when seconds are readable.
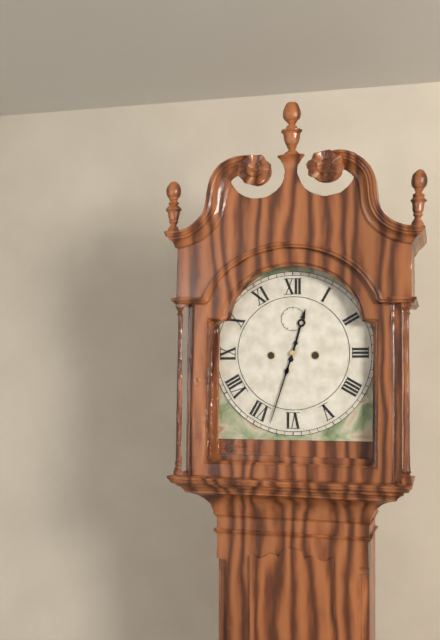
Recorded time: 12.33
